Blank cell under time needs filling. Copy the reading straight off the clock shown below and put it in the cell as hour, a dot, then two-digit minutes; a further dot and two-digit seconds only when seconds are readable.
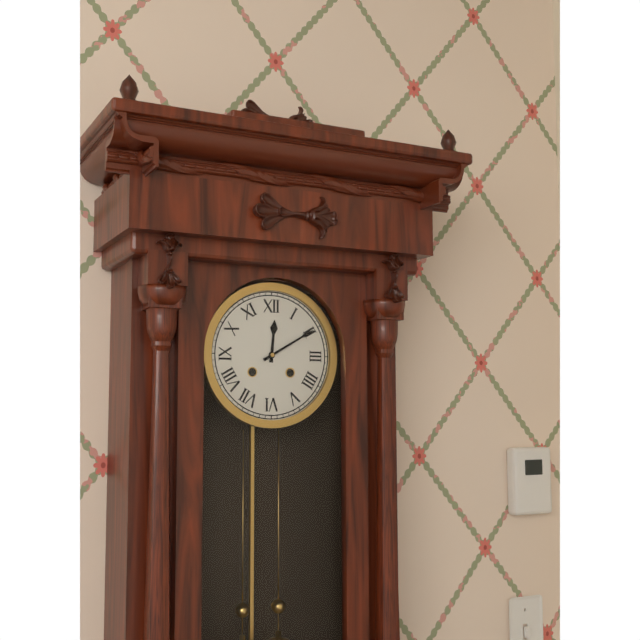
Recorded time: 12.10
